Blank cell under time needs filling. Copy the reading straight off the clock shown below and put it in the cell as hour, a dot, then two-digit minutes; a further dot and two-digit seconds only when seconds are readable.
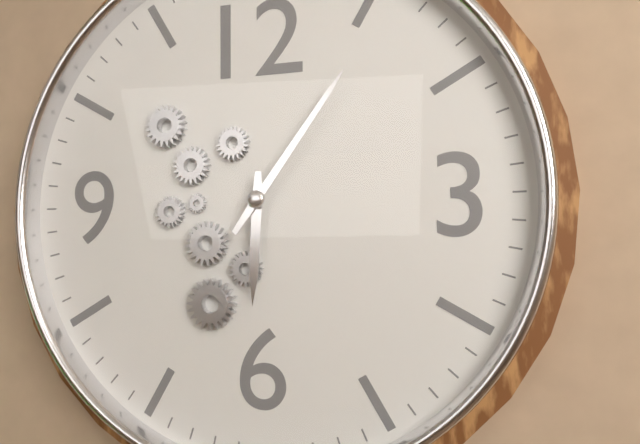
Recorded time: 6.06
